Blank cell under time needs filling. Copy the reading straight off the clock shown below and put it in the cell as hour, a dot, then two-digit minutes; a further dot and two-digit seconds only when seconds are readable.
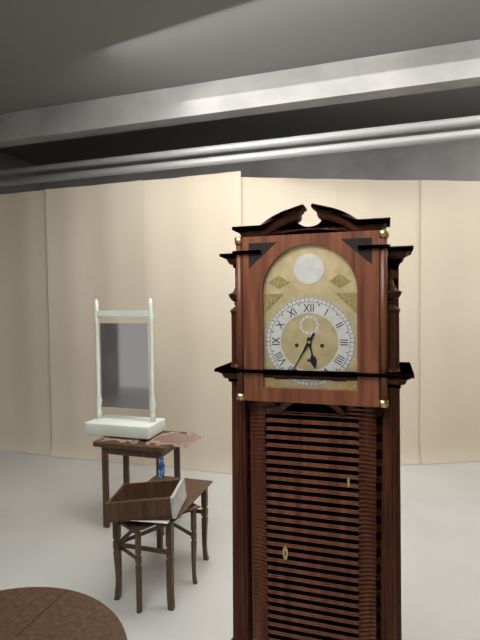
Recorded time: 5.35
